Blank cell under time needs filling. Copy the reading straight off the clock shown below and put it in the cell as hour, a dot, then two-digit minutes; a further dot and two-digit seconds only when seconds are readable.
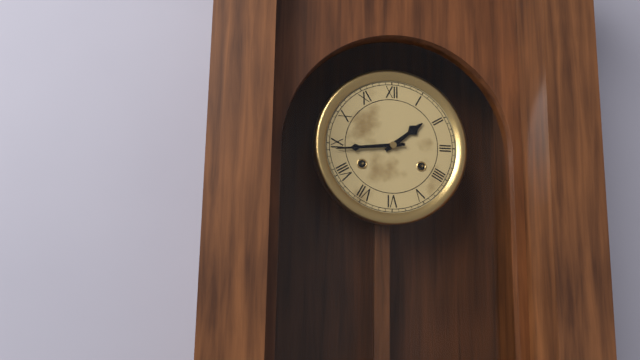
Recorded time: 1.44
